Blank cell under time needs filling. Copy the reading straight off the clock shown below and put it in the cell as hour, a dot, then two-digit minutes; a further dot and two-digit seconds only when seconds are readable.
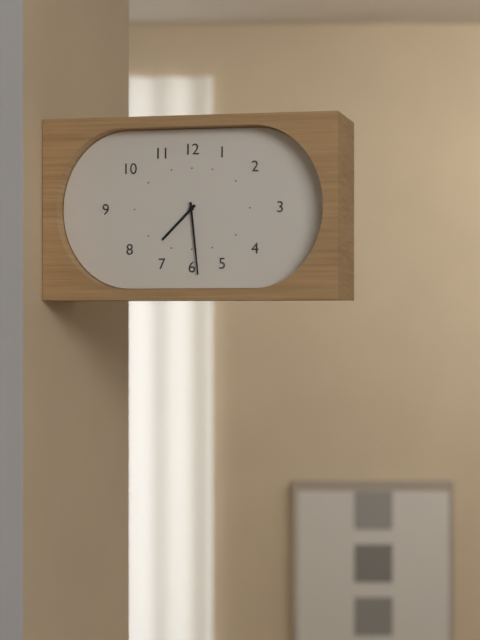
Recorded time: 7.29
